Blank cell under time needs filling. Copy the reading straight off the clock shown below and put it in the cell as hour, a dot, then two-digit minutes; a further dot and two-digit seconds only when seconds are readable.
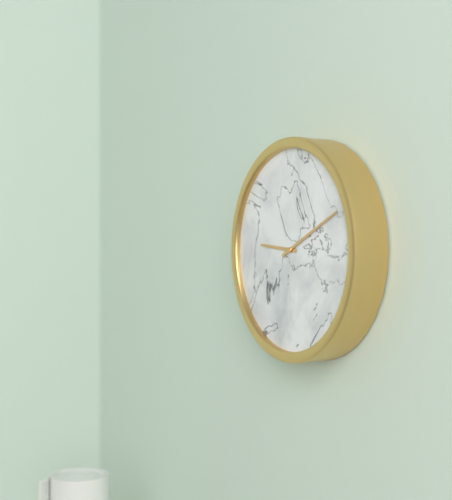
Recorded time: 9.11
